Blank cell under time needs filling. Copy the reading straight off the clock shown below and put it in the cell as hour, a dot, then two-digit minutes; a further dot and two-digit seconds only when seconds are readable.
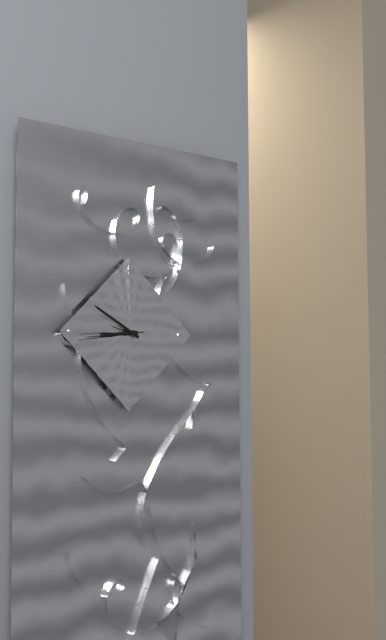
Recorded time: 8.50.44
